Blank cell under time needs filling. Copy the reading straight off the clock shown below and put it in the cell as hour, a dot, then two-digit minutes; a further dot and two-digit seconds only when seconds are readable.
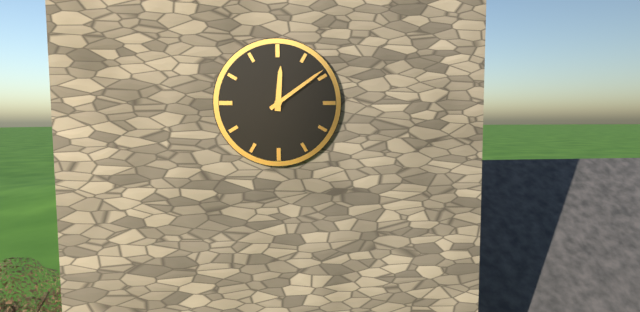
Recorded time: 12.09
